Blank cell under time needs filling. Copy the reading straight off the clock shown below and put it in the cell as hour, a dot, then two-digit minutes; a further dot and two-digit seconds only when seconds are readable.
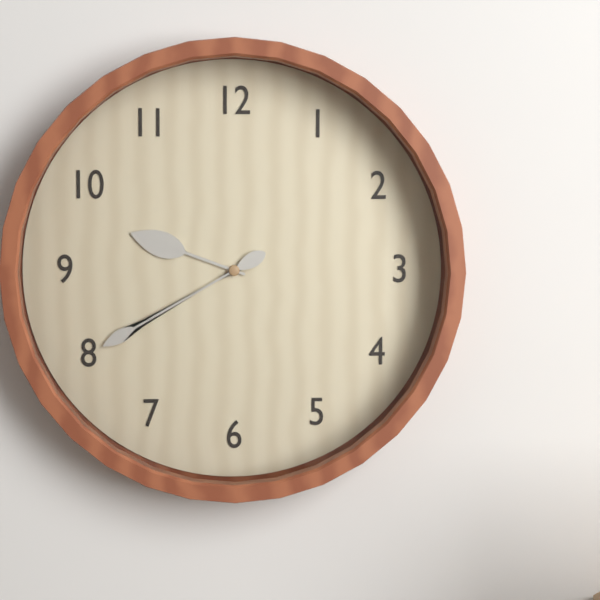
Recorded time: 9.40
